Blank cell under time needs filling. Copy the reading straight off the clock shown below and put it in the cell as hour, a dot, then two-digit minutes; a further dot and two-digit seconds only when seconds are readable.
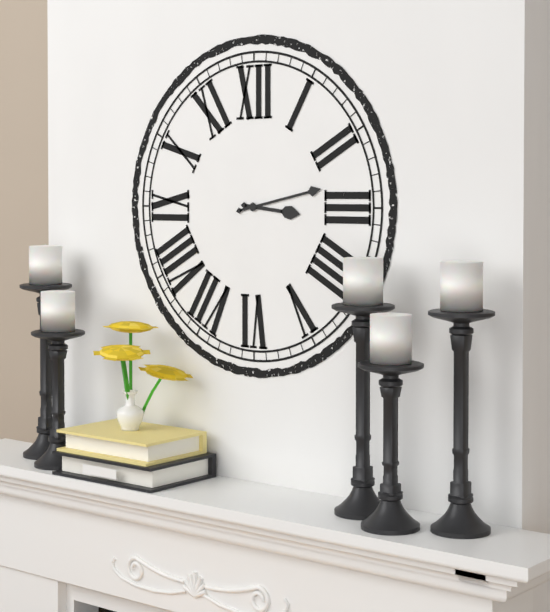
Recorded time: 3.13
